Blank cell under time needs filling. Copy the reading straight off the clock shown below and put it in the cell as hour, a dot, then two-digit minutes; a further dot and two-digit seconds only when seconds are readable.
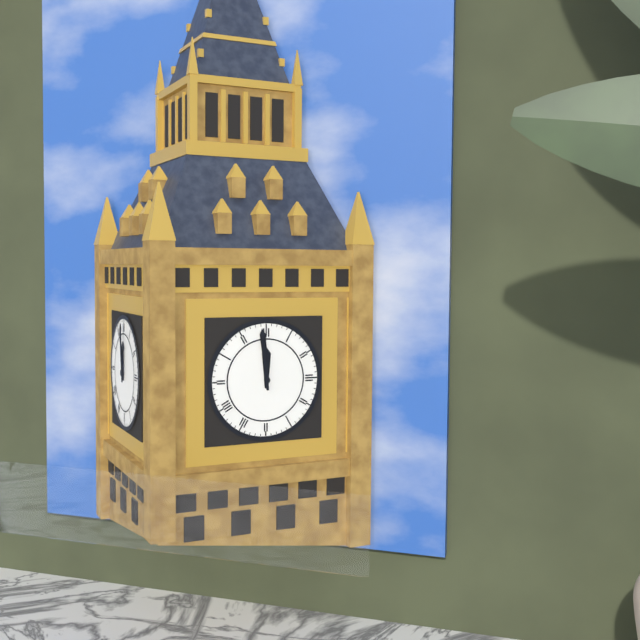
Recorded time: 11.59
